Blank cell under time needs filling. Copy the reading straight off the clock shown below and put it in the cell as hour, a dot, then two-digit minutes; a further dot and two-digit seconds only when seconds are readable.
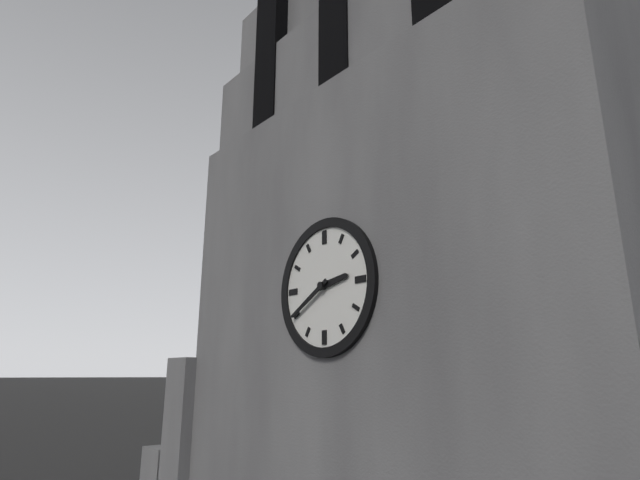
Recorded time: 2.40
